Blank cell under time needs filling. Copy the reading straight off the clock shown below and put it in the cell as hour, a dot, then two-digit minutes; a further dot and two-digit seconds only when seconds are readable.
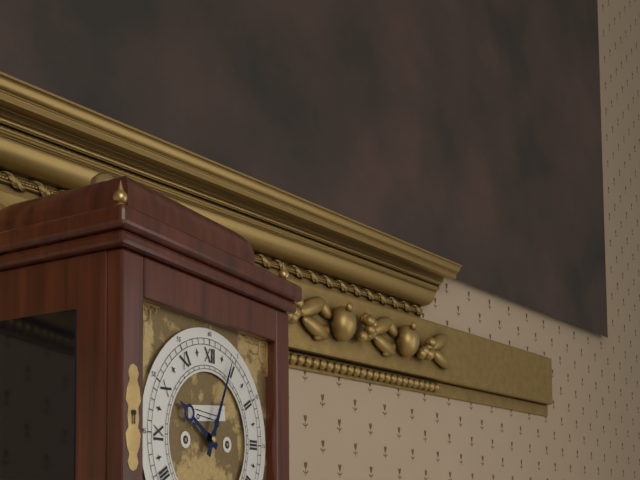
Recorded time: 10.04
